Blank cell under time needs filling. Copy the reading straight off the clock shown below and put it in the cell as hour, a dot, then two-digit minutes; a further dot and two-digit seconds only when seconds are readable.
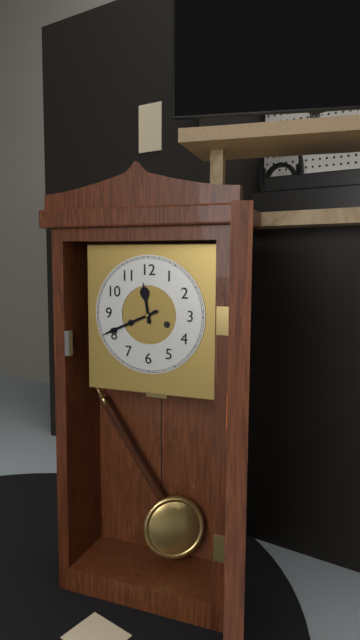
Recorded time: 11.41
